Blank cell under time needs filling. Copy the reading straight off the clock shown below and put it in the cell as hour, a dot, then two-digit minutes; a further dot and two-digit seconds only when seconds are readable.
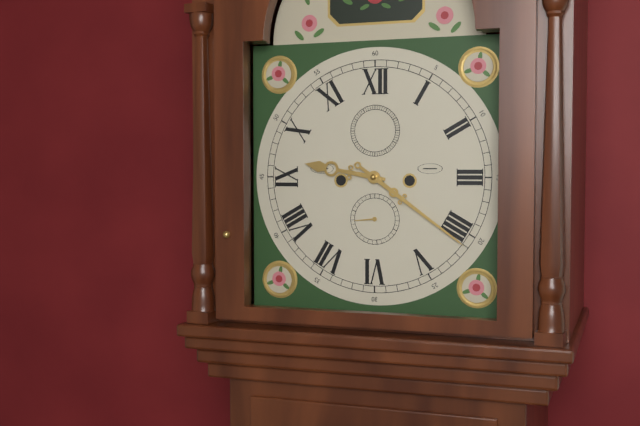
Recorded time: 9.21
